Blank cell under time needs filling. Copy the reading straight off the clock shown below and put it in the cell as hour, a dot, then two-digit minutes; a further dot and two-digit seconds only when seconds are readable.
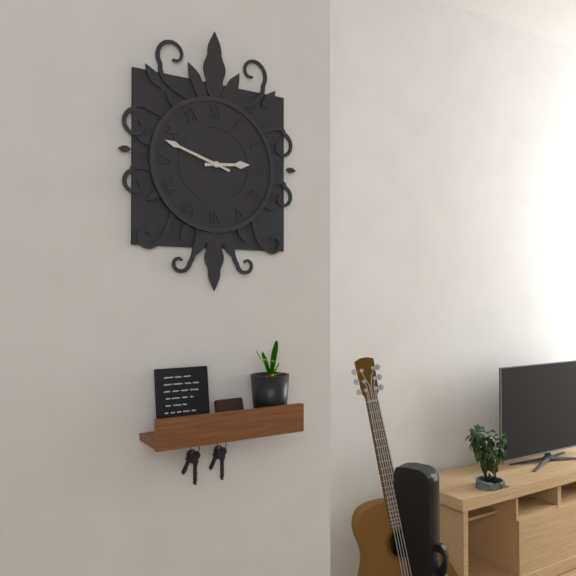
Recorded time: 2.48
